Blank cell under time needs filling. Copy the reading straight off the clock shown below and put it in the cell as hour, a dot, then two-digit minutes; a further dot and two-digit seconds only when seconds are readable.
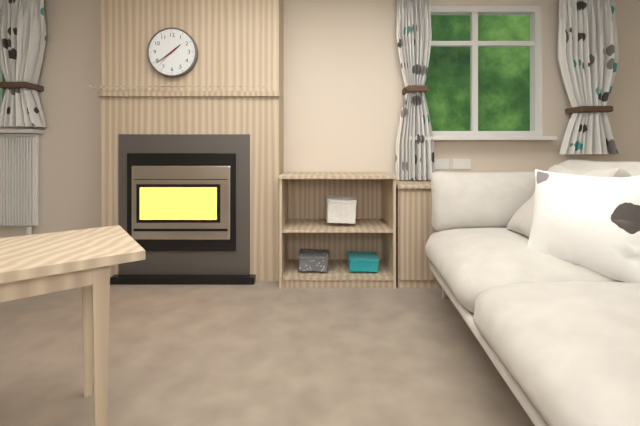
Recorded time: 1.39
